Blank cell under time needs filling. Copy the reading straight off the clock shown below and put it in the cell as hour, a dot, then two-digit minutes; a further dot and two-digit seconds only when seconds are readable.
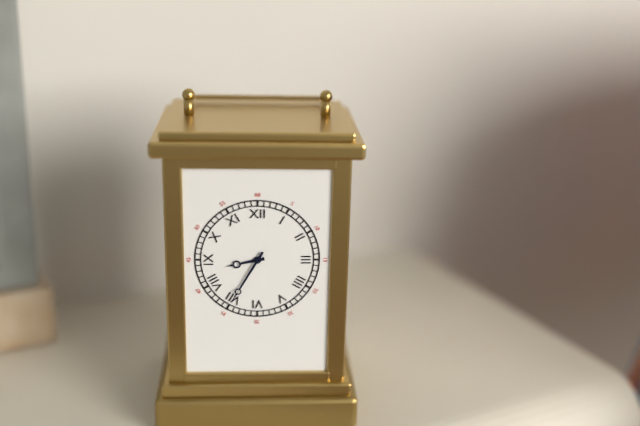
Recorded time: 8.35
